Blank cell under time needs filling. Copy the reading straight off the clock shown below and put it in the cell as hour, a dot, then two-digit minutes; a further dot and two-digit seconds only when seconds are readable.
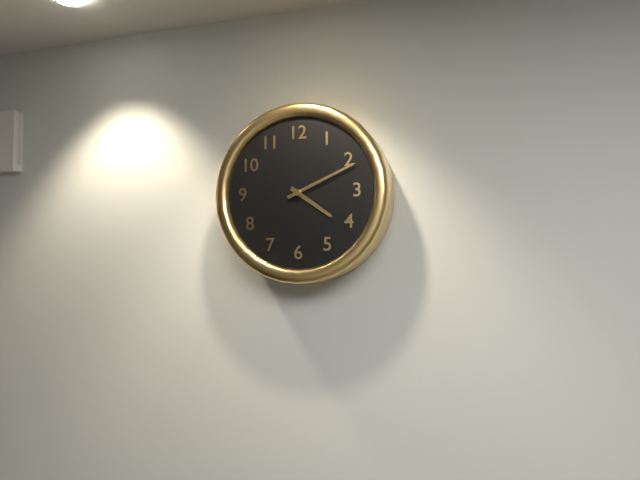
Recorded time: 4.11
